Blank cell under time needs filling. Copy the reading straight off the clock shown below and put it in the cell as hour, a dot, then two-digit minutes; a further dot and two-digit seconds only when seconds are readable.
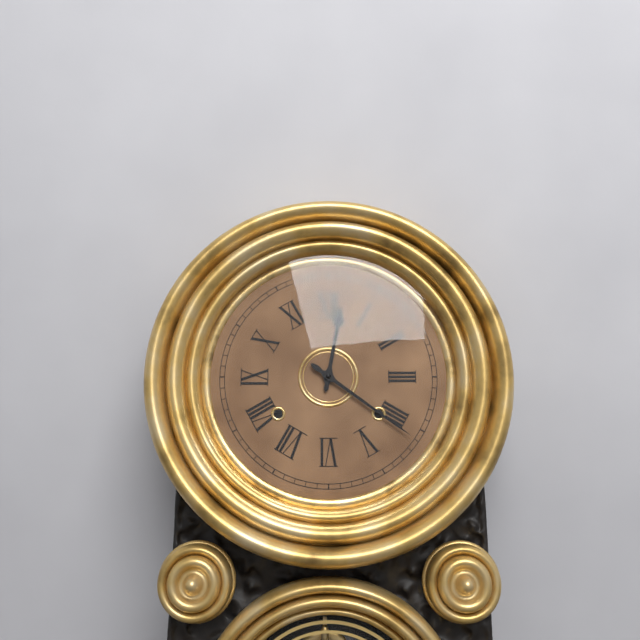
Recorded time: 12.21
